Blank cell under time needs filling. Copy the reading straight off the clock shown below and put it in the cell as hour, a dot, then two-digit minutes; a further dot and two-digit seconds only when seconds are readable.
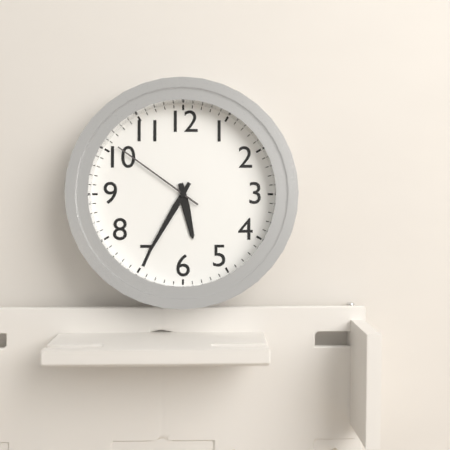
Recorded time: 5.35.51
